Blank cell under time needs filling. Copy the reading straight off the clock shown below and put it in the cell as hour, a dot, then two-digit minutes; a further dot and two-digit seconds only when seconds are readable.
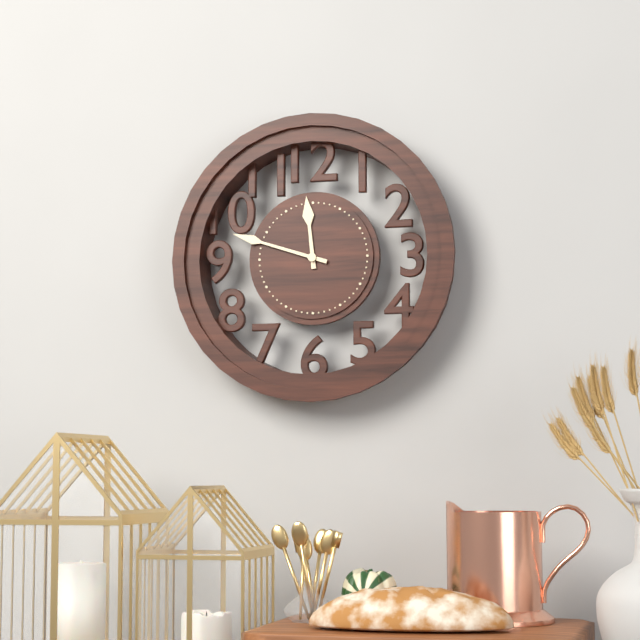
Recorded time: 11.48
